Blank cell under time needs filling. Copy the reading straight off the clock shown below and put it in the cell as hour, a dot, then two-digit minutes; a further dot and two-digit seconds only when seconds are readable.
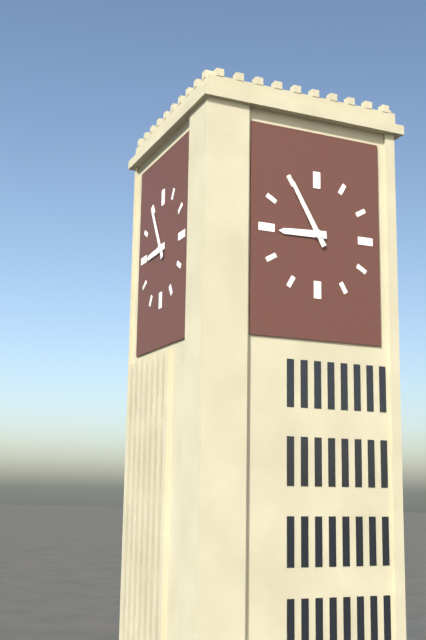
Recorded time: 8.55
